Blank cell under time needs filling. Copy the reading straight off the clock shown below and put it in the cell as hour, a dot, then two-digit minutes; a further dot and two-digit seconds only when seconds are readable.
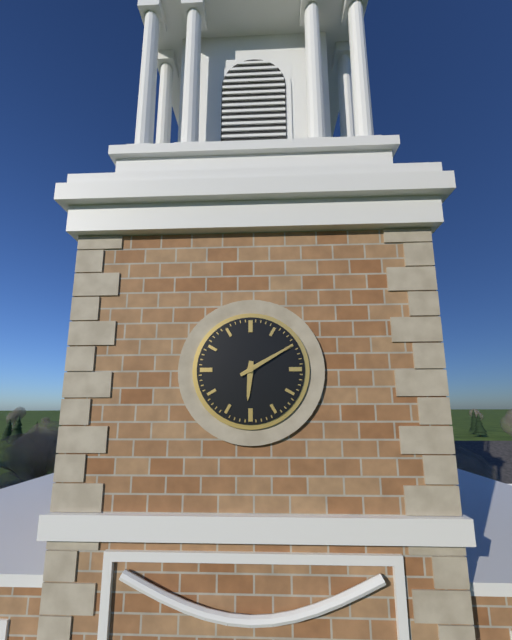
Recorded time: 6.10
